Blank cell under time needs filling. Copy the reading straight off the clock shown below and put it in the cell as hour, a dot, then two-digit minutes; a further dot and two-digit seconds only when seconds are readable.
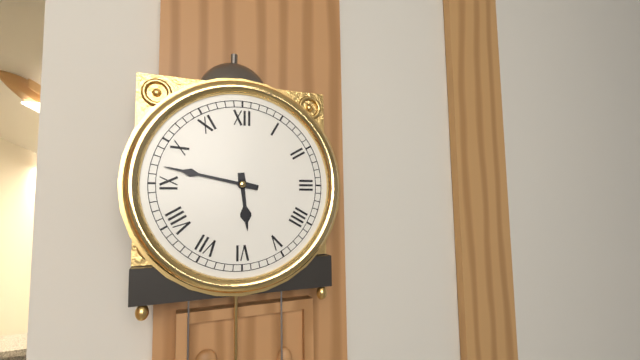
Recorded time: 5.47
